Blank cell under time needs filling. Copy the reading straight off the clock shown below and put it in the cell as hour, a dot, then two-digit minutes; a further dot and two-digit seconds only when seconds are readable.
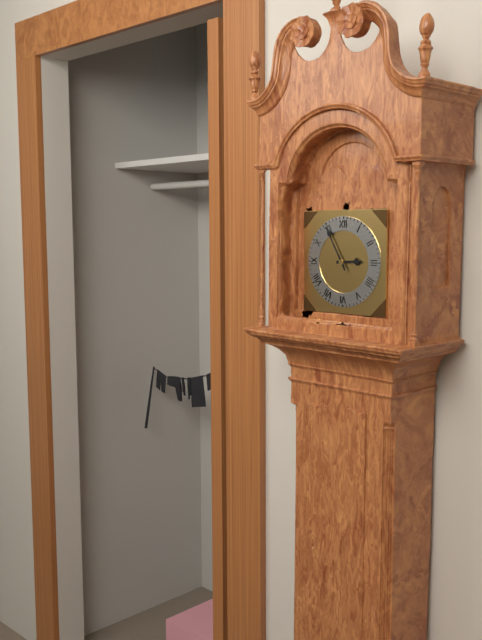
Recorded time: 2.55
